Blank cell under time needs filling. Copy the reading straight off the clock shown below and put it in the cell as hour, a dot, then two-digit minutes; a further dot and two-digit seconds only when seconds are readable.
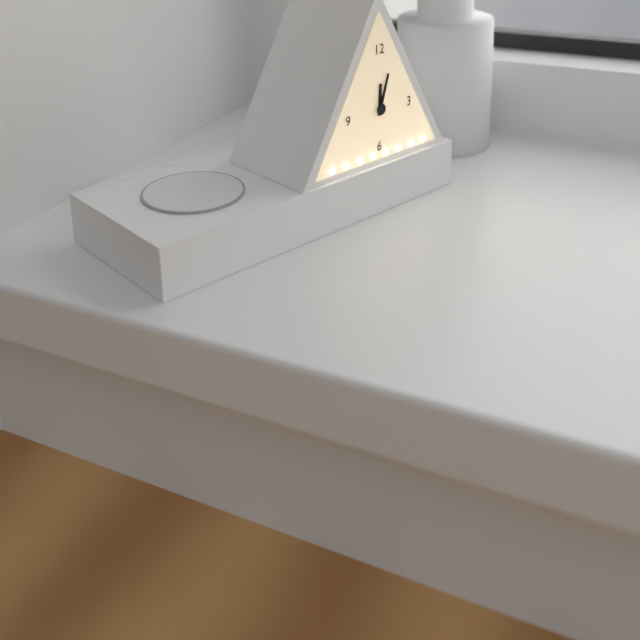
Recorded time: 12.03
